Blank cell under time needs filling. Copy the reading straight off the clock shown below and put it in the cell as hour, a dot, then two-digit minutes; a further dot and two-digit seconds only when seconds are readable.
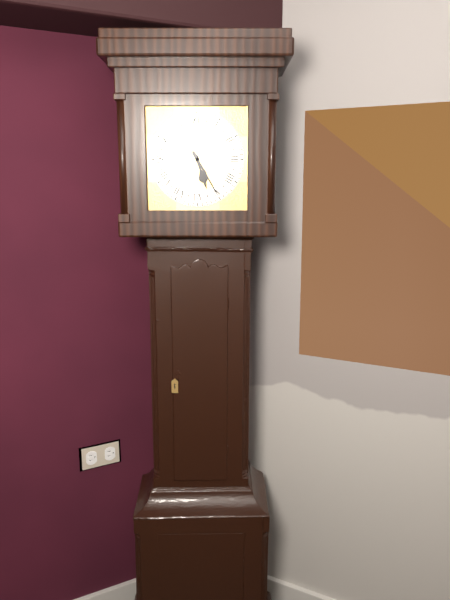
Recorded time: 5.25
